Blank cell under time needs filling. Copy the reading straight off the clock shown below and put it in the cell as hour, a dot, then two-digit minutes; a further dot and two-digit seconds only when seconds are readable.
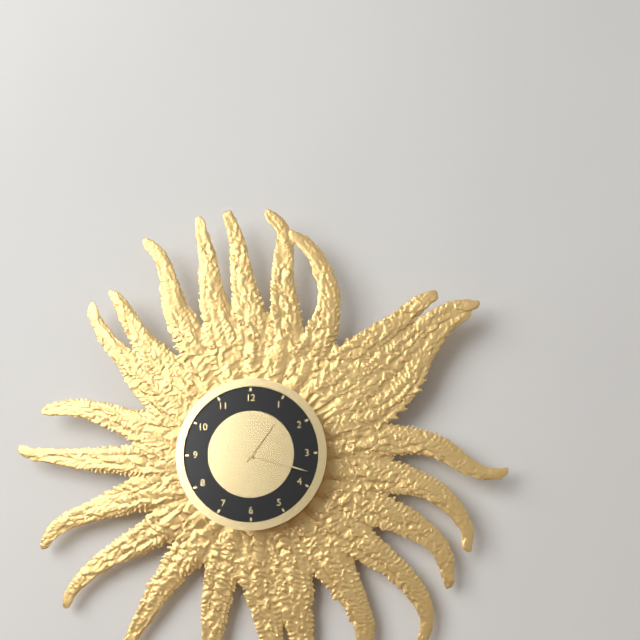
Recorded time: 1.18
